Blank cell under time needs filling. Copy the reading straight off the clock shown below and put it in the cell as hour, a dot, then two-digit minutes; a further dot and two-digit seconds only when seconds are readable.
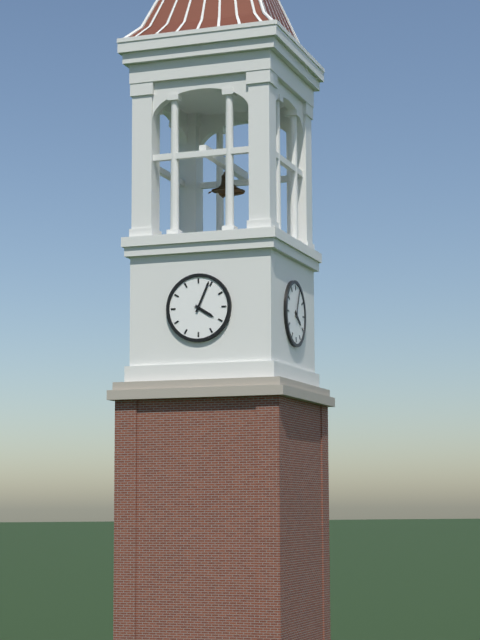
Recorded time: 4.04
